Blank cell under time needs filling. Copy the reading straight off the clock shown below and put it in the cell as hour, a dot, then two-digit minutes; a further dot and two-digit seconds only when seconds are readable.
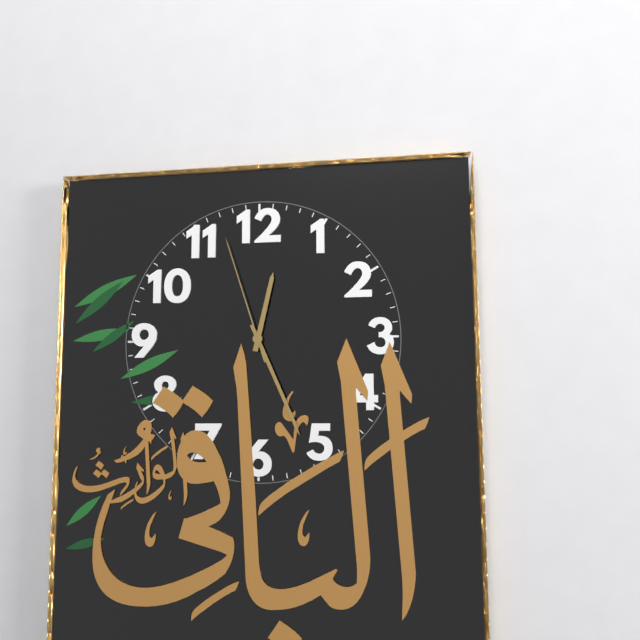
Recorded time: 12.26.57
